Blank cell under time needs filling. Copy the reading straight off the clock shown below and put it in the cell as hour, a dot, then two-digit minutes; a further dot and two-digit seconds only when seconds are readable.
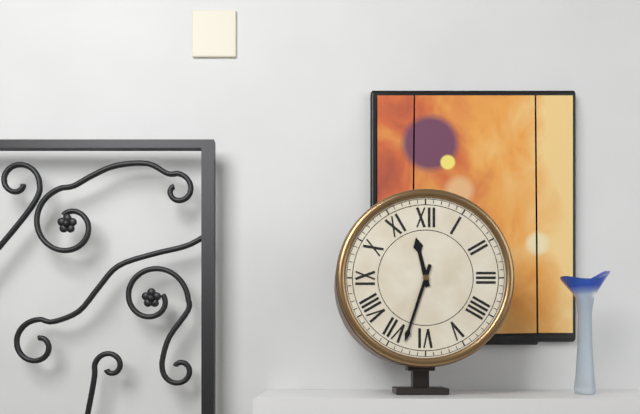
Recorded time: 11.33
